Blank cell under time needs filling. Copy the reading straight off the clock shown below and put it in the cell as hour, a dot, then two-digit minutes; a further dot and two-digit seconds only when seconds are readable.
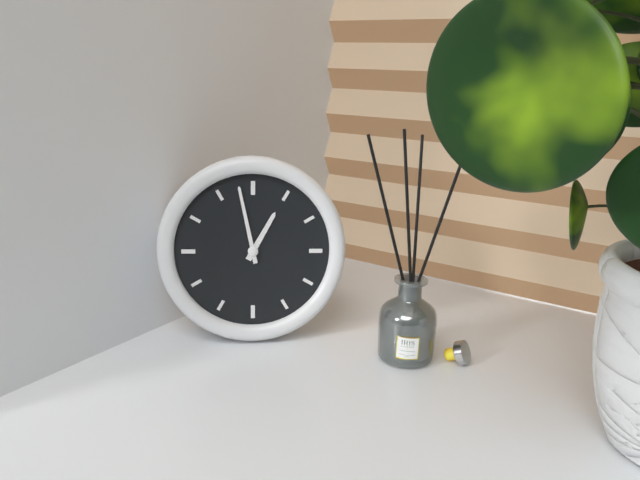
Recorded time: 12.58
